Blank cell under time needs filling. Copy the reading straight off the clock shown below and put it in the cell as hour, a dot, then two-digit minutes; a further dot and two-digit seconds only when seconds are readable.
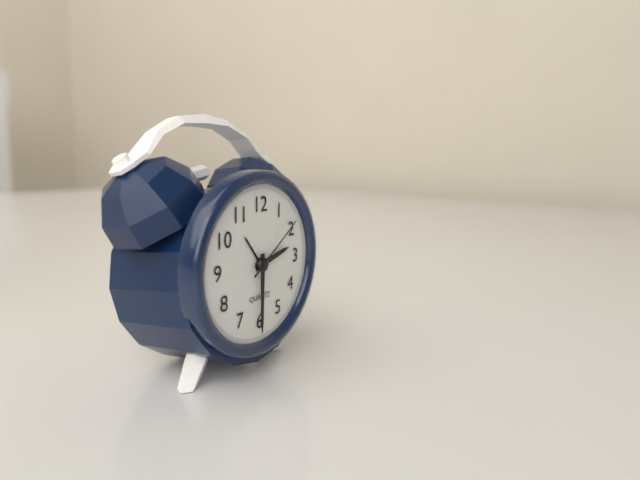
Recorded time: 2.30.09
